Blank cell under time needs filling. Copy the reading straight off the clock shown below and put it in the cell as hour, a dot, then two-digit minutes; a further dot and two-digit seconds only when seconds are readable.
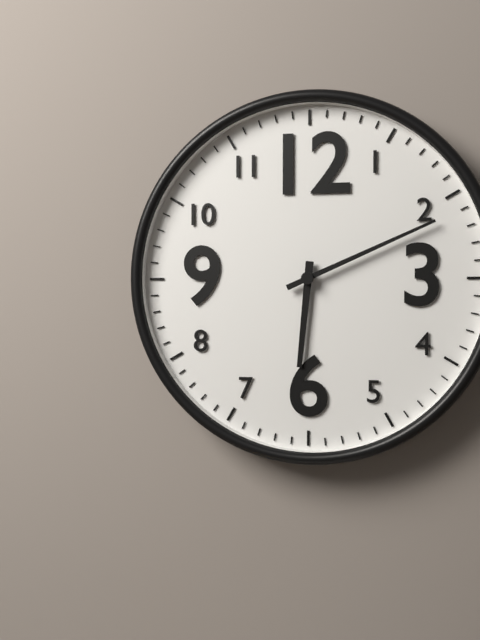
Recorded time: 6.11
